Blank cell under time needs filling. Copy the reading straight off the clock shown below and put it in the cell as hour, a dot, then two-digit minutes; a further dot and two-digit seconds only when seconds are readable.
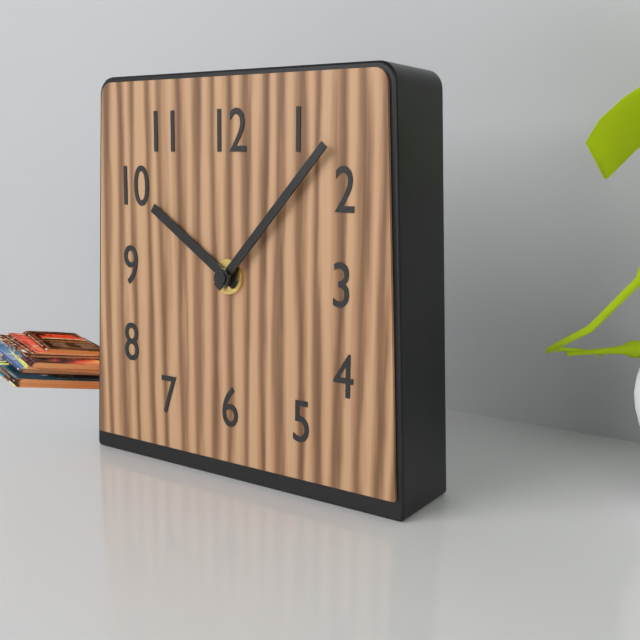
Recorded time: 10.07
